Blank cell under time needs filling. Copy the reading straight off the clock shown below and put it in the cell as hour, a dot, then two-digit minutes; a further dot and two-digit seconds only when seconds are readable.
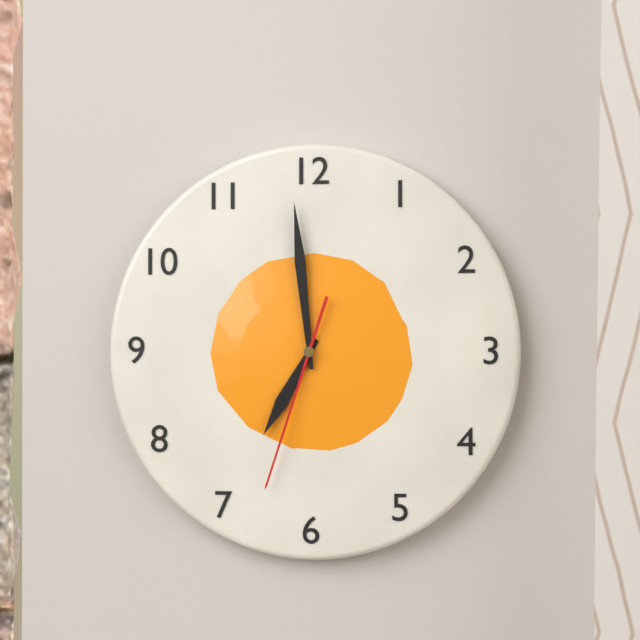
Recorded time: 6.59.33
